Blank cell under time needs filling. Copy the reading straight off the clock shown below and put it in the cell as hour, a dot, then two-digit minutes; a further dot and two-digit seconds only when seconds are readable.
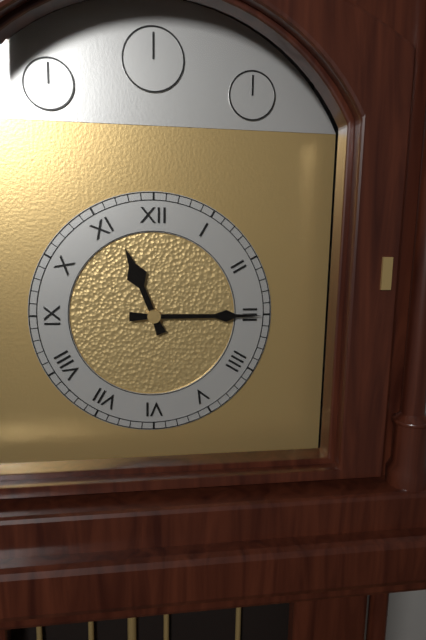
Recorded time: 11.15
